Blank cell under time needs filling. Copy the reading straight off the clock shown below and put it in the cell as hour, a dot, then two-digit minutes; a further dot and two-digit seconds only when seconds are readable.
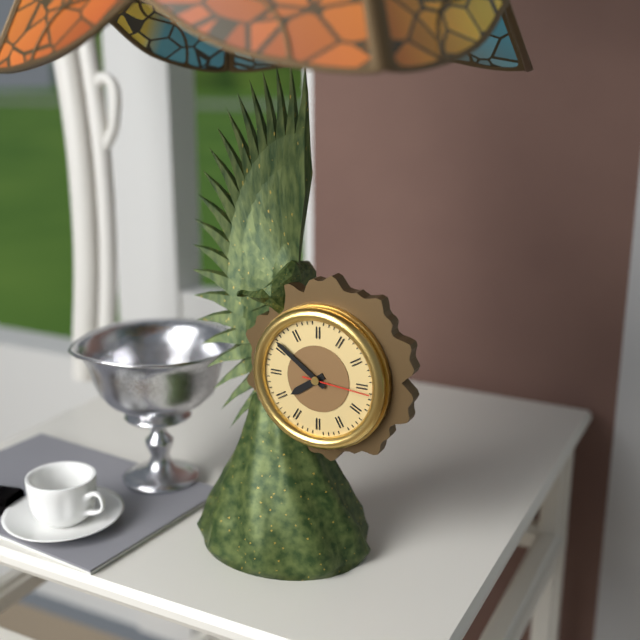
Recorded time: 7.51.16
